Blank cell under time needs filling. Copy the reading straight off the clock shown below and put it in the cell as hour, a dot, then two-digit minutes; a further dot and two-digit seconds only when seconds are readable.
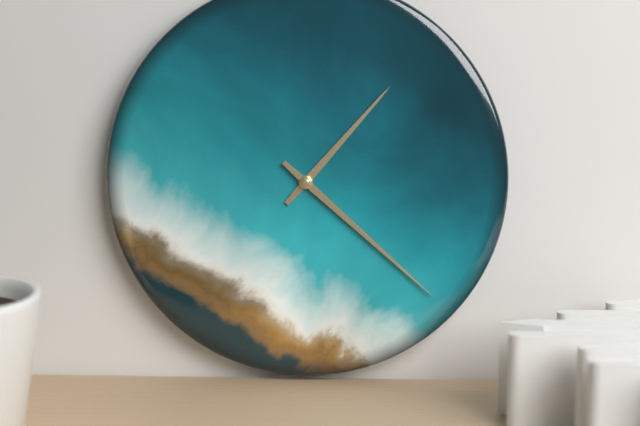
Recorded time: 1.22
